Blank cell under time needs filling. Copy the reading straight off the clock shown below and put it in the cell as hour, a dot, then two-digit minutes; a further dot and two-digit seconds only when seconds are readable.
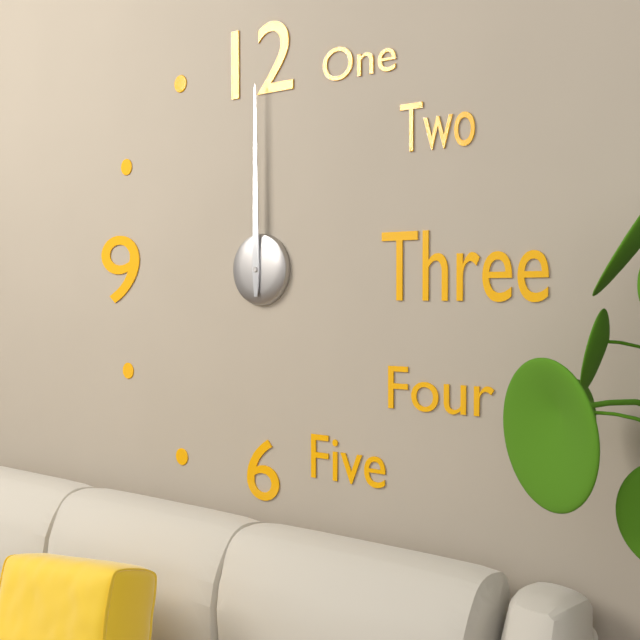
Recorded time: 12.00
